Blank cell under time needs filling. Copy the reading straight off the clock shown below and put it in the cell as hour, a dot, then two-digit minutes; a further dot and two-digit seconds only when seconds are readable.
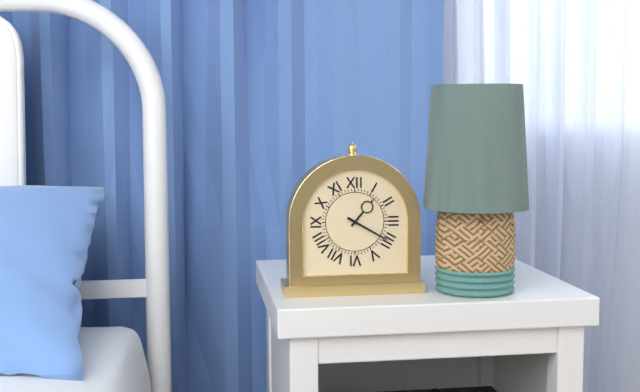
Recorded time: 1.20
